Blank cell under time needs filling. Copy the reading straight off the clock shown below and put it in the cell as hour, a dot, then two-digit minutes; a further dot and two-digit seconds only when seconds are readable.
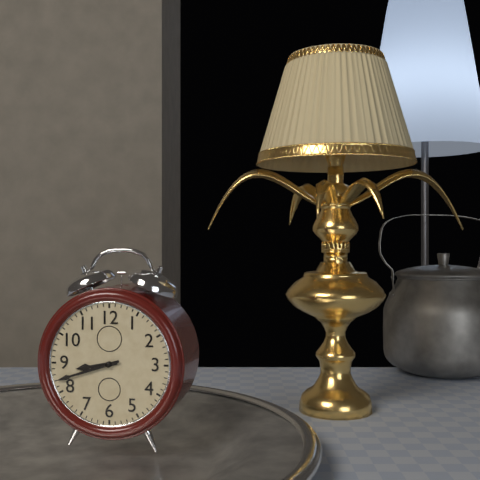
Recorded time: 8.42
